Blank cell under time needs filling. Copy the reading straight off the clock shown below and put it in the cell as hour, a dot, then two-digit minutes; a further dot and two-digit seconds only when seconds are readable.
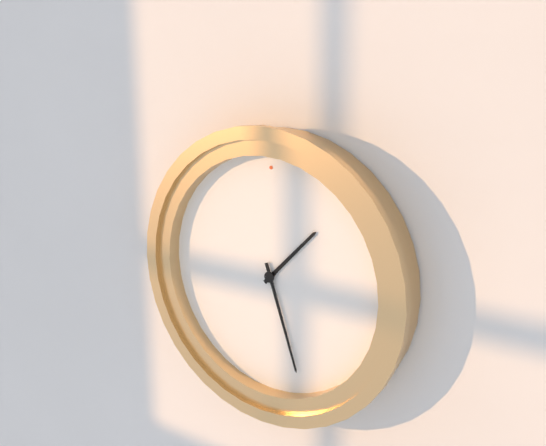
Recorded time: 1.27
